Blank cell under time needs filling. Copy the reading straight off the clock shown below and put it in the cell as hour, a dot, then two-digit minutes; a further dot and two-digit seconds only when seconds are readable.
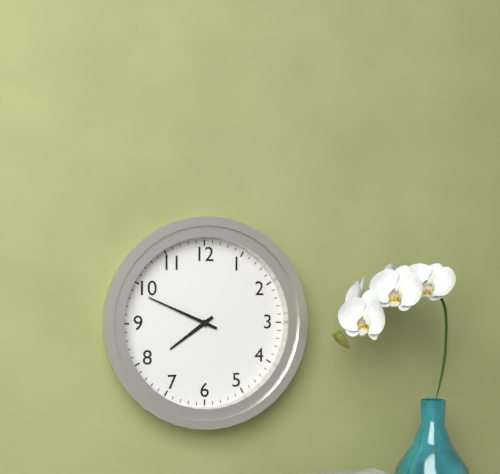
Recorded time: 7.49
